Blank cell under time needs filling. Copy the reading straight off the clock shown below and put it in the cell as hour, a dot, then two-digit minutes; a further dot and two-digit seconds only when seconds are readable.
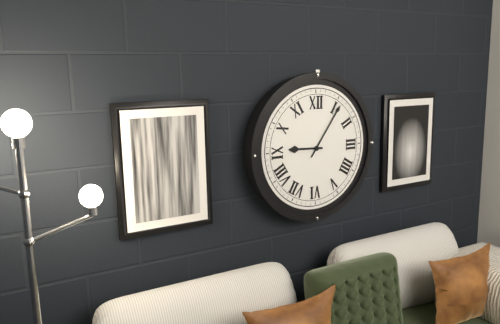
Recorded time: 9.06
